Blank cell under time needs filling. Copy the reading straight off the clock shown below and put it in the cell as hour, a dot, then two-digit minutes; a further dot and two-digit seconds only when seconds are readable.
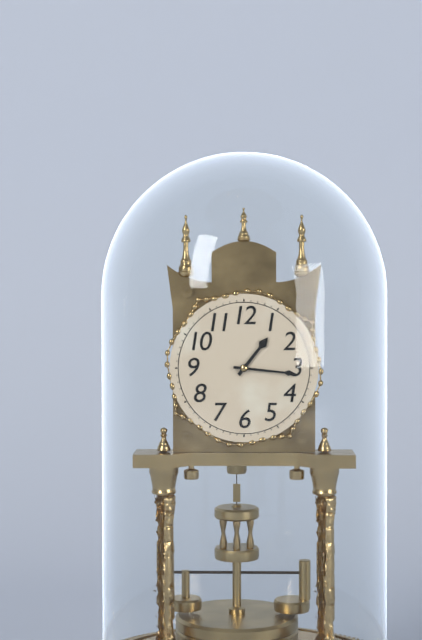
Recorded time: 1.16
